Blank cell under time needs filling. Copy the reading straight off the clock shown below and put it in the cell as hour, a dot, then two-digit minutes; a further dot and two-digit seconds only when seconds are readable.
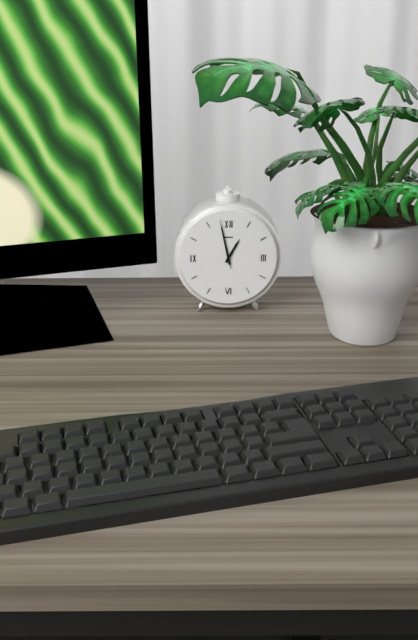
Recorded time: 12.58
